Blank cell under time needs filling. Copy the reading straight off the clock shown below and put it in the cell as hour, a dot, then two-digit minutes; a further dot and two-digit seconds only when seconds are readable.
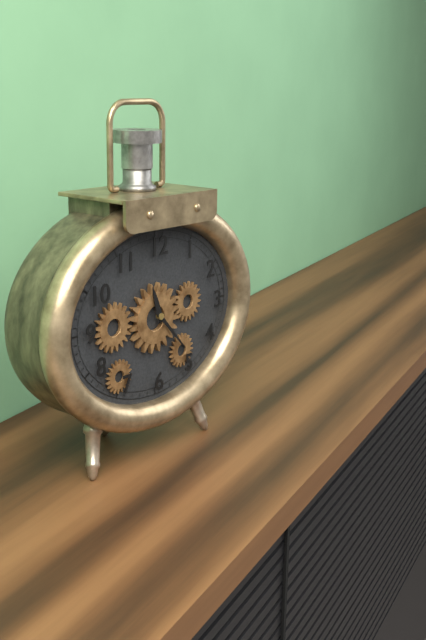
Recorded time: 11.23
